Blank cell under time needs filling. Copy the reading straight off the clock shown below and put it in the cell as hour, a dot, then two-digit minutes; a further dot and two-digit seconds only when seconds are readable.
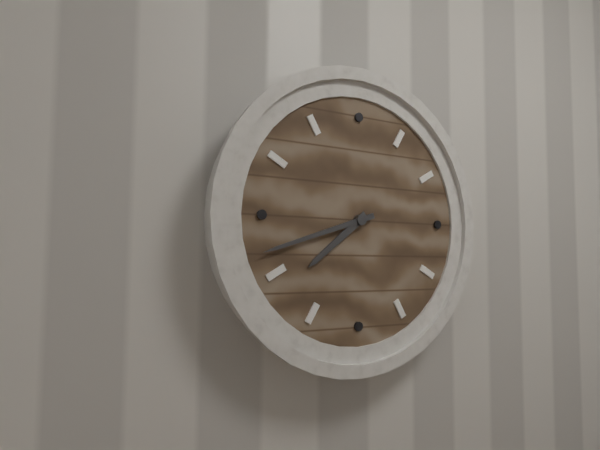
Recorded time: 7.42
